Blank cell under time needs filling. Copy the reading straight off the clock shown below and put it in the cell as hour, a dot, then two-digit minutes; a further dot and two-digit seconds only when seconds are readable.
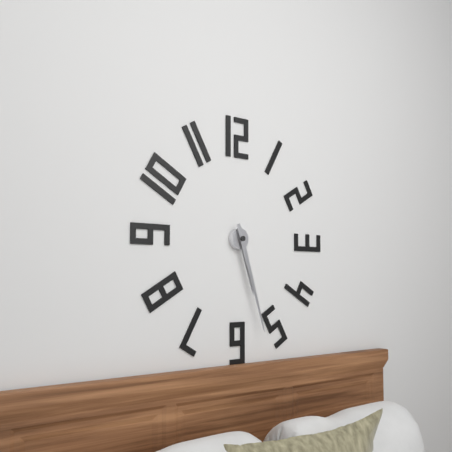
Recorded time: 5.27
